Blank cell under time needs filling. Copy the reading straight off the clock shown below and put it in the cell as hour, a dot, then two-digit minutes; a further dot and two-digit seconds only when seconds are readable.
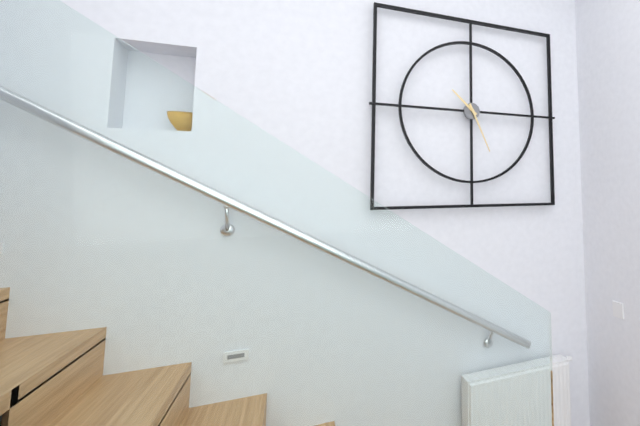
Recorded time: 10.26
